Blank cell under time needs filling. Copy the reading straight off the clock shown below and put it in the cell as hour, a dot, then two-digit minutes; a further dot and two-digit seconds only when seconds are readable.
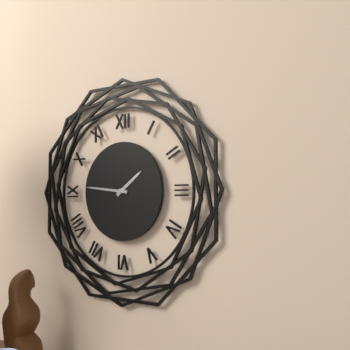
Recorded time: 1.46
